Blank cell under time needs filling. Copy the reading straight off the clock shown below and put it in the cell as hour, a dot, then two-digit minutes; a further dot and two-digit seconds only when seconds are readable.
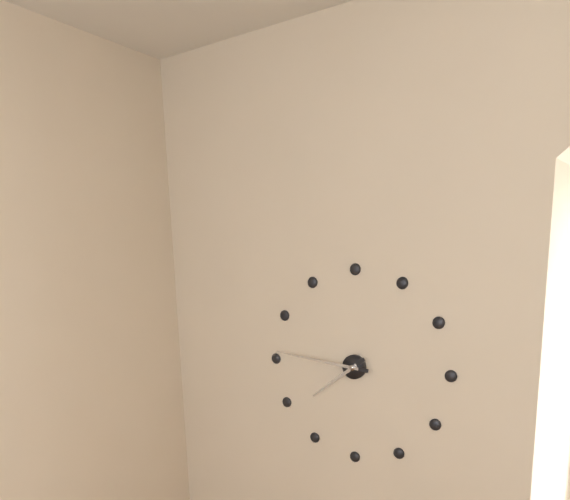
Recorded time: 7.46
